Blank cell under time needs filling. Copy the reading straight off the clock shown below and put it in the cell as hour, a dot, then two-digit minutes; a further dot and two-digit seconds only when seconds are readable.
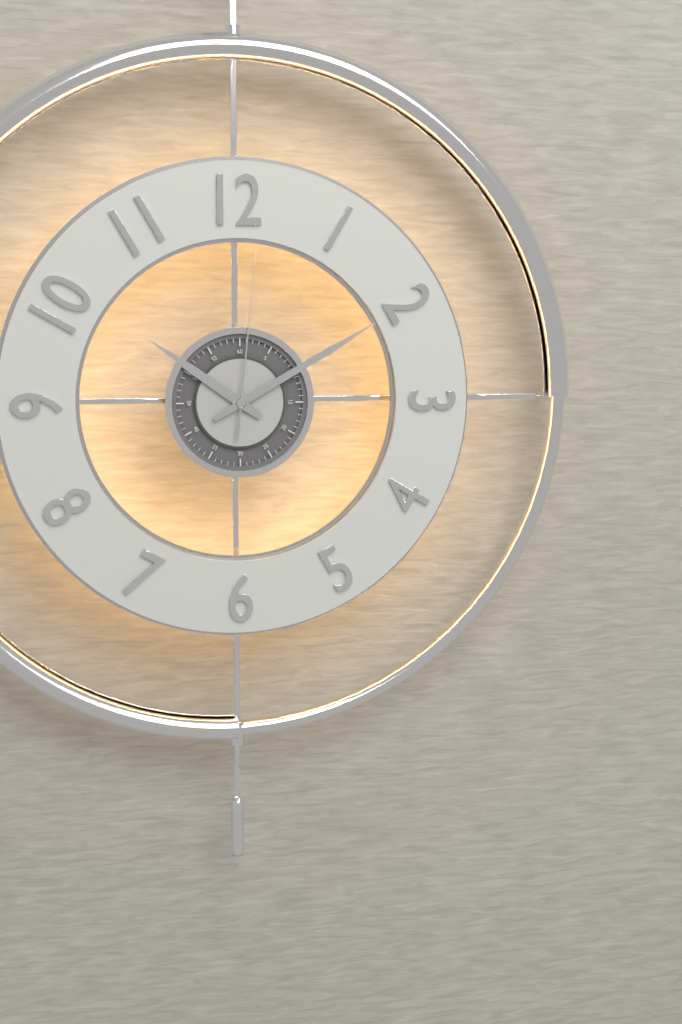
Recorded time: 10.10.01
